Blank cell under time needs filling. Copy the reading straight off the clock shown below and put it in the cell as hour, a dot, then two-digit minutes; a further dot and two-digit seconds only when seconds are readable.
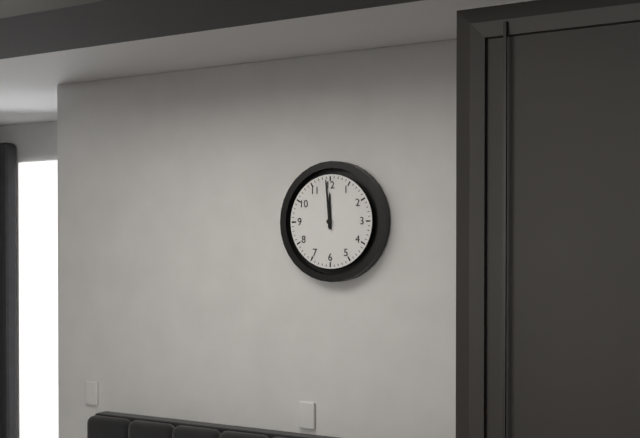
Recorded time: 11.59
